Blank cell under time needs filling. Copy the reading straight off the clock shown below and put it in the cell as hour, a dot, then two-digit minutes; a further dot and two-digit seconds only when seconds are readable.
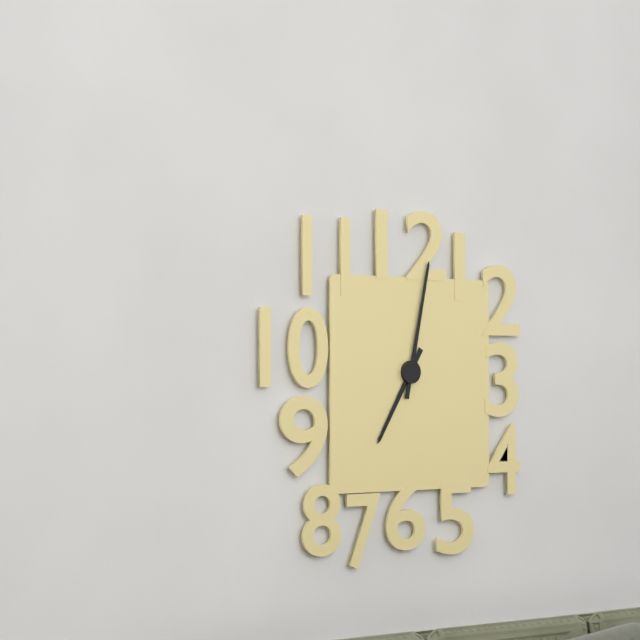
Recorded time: 7.02
